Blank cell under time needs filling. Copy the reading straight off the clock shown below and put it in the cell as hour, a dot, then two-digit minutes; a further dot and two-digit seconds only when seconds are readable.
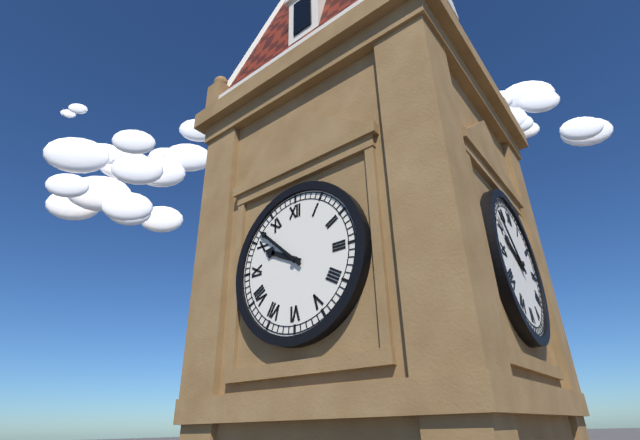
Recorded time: 9.52
